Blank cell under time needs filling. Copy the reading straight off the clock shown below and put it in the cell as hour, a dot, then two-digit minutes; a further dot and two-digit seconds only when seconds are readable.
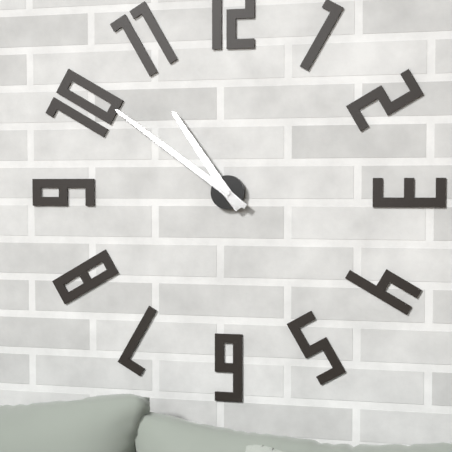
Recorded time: 10.51
